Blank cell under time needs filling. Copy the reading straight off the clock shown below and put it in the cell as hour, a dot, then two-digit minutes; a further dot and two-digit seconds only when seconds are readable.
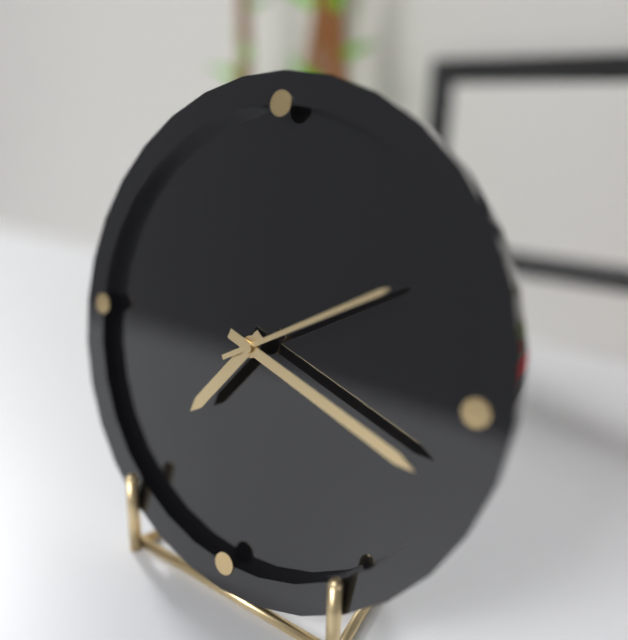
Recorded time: 7.18.10
